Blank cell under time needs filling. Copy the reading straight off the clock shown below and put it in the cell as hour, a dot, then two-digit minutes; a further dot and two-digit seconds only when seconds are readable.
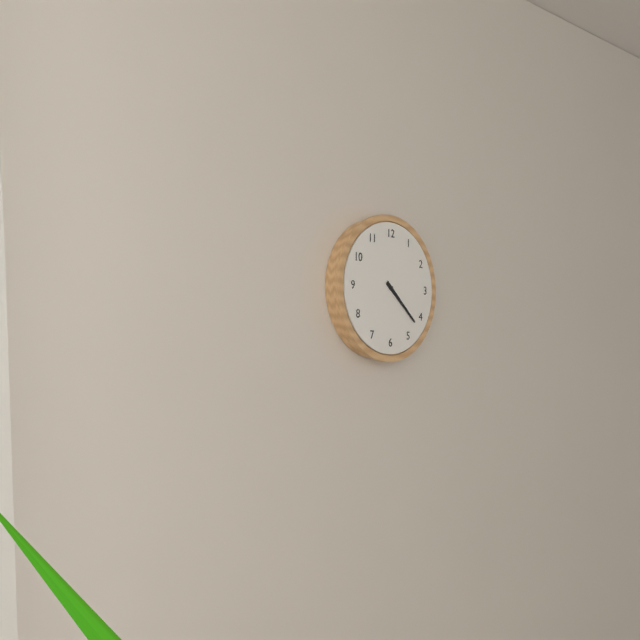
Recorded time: 4.22
